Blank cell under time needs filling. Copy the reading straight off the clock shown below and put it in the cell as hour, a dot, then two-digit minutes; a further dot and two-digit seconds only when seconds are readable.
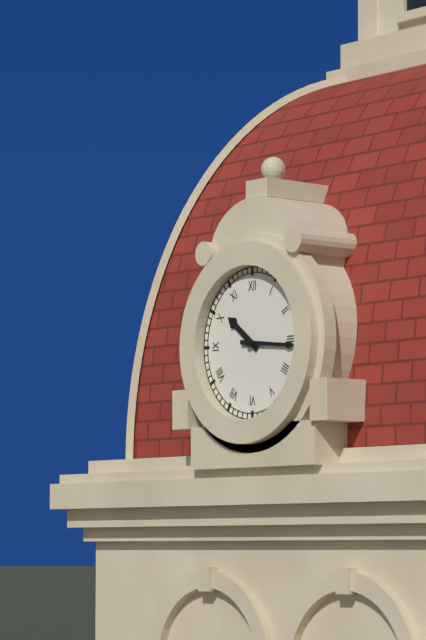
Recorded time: 10.16
